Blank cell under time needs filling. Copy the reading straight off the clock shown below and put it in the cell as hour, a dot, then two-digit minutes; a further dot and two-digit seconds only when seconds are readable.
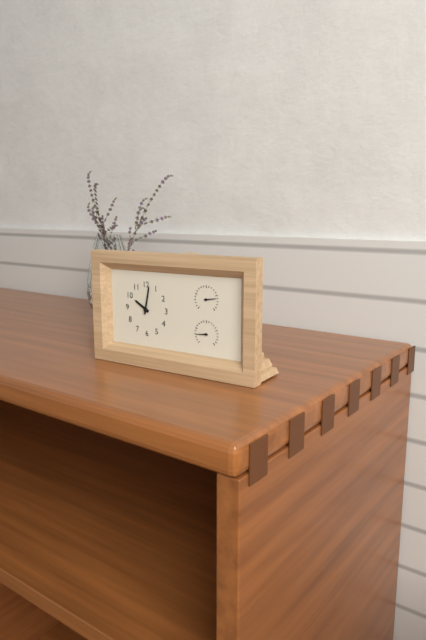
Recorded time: 10.02
